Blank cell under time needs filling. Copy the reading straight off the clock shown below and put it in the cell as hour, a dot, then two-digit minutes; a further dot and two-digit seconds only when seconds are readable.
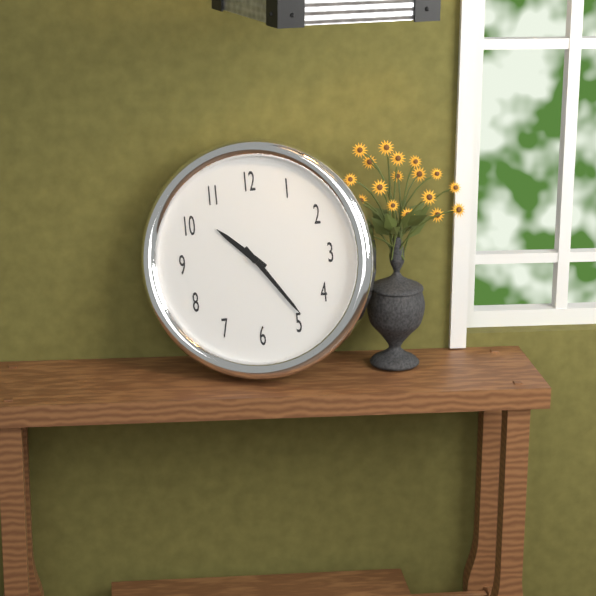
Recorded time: 10.24
